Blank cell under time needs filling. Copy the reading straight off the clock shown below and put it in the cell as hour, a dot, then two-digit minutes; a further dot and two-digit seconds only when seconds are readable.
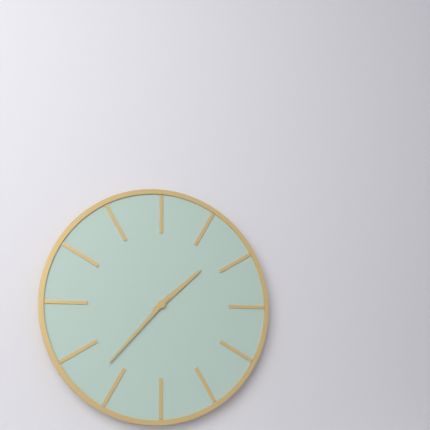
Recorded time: 1.37
